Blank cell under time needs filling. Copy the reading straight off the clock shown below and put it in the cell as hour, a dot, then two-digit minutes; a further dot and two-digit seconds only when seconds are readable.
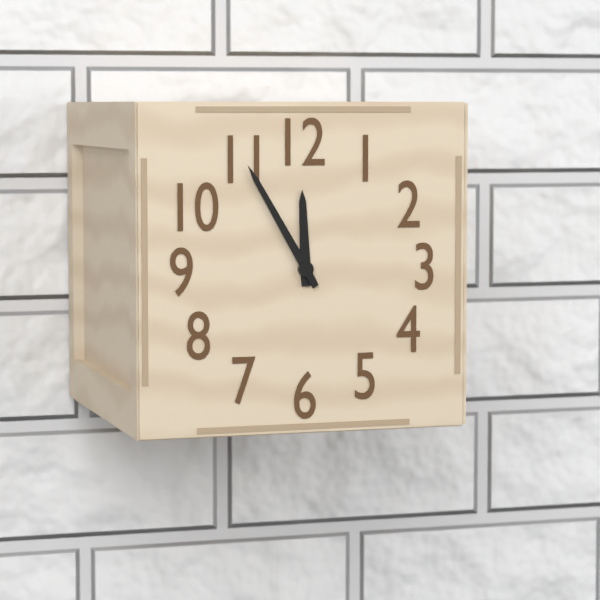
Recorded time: 11.55
